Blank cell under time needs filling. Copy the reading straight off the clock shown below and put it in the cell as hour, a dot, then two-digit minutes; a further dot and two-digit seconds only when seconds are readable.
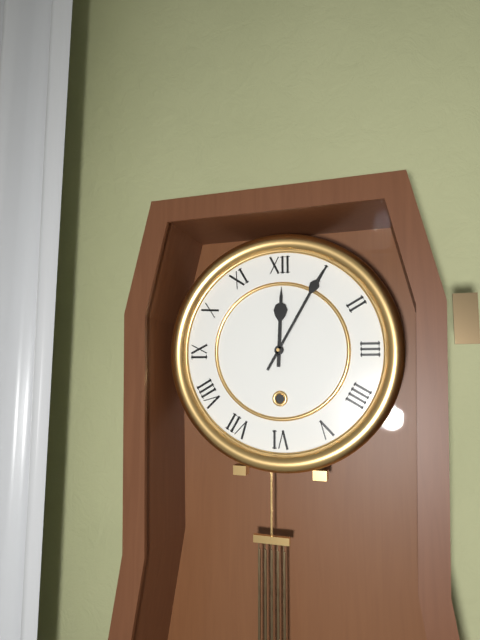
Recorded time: 12.05
